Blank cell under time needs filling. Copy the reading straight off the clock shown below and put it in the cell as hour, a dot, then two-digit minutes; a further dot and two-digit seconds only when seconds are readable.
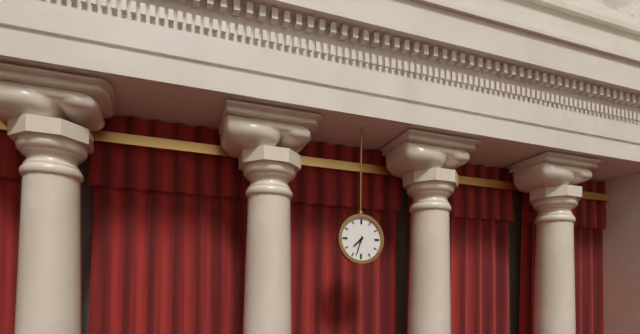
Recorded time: 7.33
